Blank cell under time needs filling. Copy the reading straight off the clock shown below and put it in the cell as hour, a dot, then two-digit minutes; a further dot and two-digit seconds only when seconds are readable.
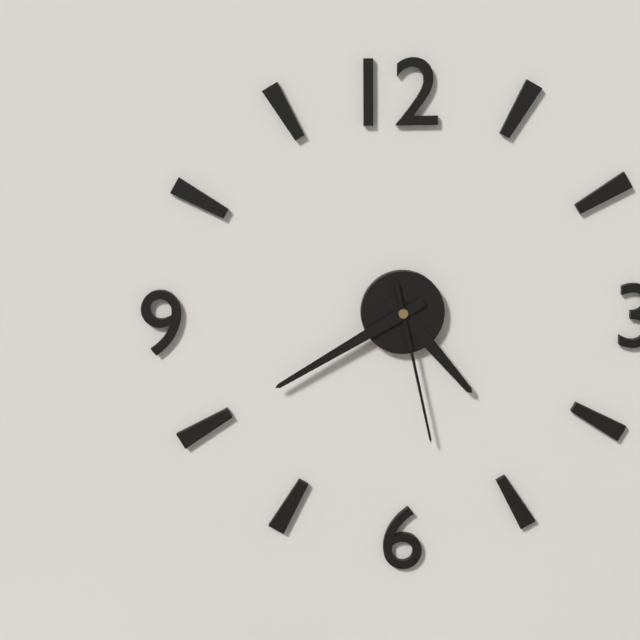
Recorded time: 4.40.28
